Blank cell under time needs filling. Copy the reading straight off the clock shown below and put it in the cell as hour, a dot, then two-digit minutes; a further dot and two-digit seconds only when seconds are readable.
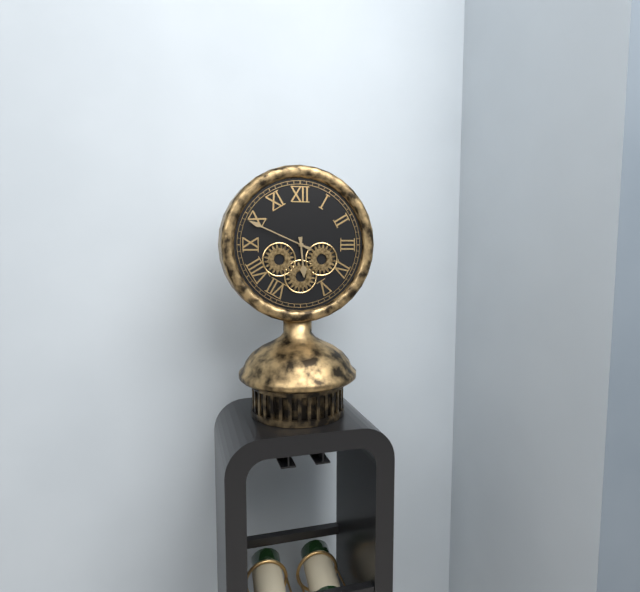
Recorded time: 5.49
